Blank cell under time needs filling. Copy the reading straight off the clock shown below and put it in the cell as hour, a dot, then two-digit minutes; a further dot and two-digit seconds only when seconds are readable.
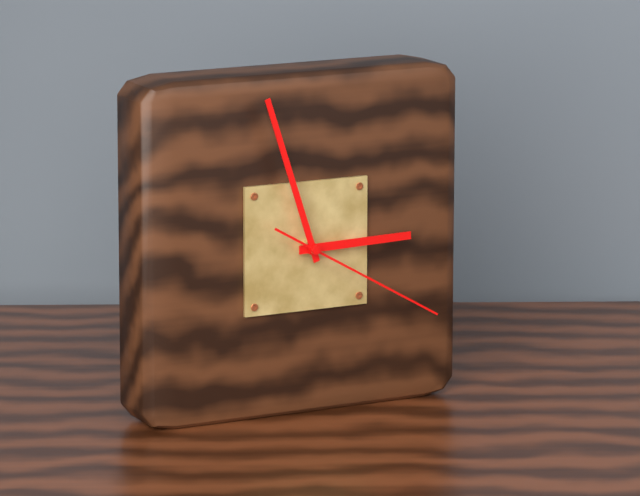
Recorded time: 2.57.20
